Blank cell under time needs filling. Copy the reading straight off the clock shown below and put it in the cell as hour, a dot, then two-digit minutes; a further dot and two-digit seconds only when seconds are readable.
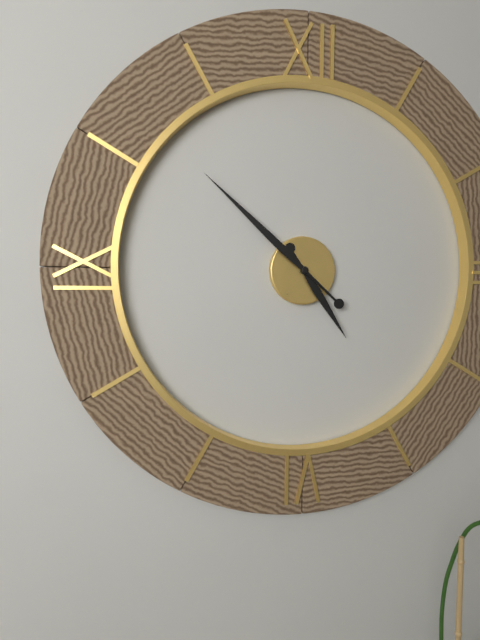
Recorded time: 4.52
